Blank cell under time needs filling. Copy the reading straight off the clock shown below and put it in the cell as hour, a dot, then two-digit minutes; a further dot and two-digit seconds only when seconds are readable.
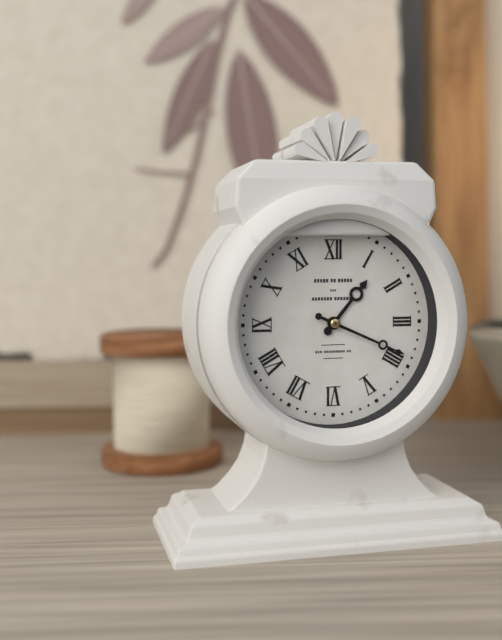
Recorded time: 1.19
